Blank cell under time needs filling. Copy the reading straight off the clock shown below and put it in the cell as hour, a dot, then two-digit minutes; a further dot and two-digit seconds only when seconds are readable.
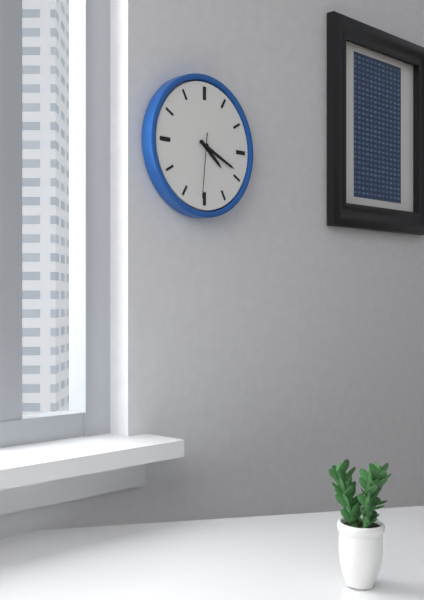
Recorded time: 4.19.31
